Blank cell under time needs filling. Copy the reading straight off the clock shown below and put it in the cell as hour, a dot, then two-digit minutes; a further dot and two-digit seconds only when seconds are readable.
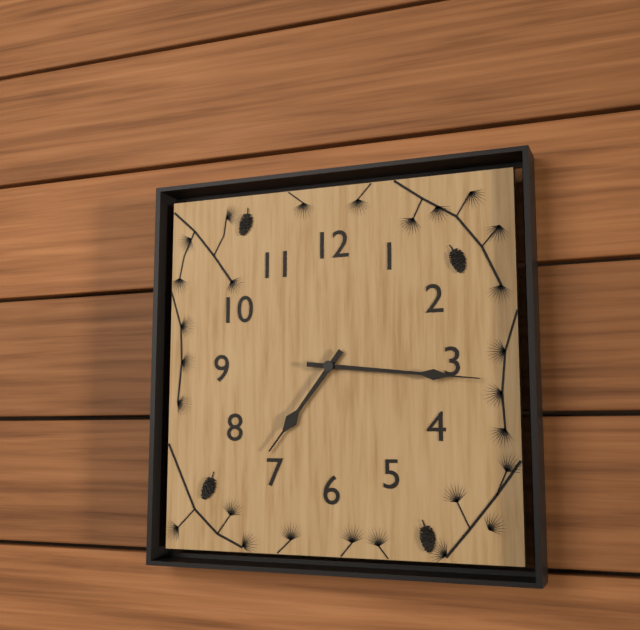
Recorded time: 7.16
